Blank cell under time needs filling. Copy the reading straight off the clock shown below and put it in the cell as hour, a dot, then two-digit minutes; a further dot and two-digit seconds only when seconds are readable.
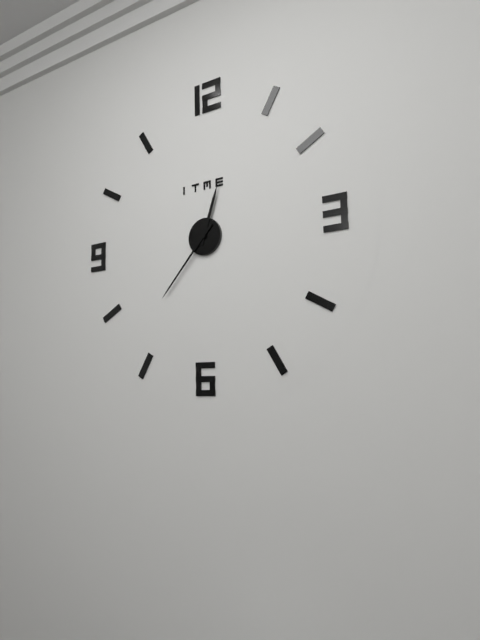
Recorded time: 12.37
